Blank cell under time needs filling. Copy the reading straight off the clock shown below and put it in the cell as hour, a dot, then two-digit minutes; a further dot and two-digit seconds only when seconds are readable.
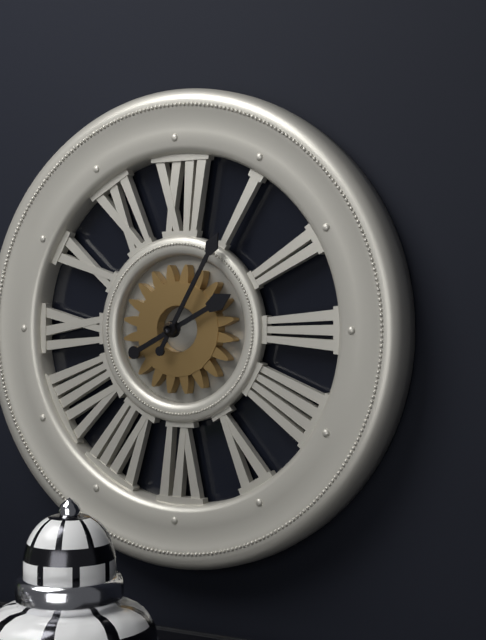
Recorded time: 2.05
